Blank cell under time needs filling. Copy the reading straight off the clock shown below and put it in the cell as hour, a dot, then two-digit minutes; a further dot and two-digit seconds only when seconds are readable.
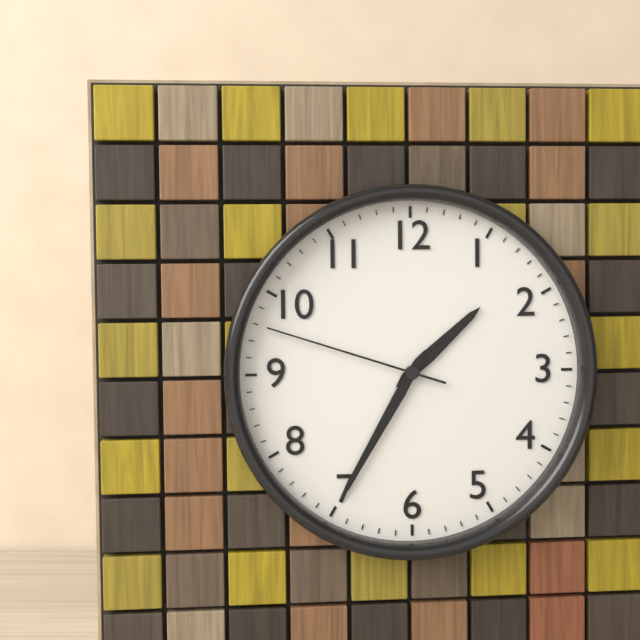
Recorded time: 1.35.48
